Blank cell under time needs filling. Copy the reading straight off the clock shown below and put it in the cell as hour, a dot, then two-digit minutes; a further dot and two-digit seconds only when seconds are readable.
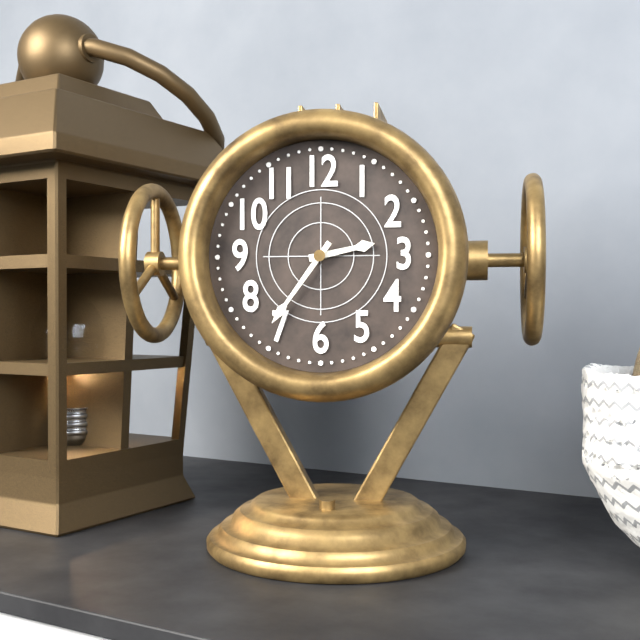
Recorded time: 2.36
